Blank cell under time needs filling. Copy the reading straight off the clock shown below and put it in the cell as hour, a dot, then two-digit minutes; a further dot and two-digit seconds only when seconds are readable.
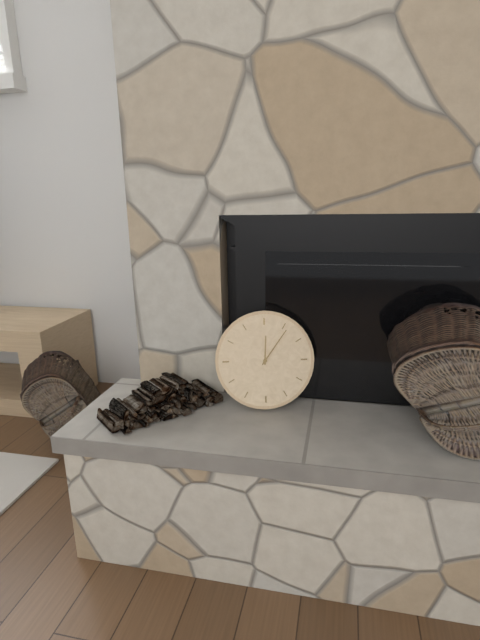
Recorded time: 12.06
